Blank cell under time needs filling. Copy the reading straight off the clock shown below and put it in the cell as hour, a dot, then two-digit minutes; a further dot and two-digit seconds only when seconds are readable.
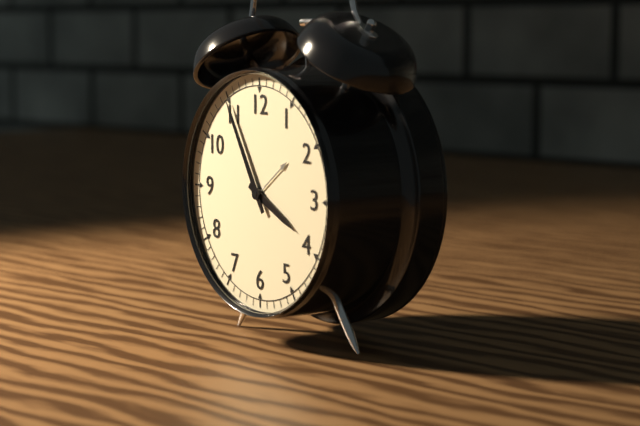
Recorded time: 3.55
